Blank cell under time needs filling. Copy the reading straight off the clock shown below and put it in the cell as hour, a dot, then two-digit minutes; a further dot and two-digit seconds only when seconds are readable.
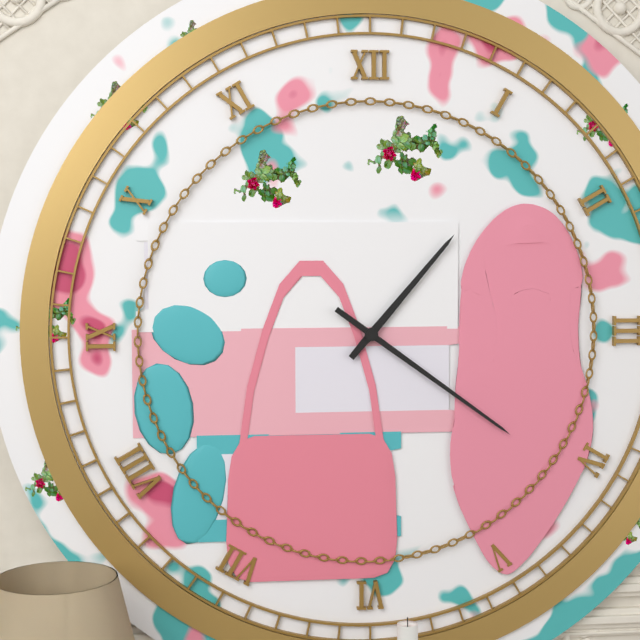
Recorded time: 1.21
